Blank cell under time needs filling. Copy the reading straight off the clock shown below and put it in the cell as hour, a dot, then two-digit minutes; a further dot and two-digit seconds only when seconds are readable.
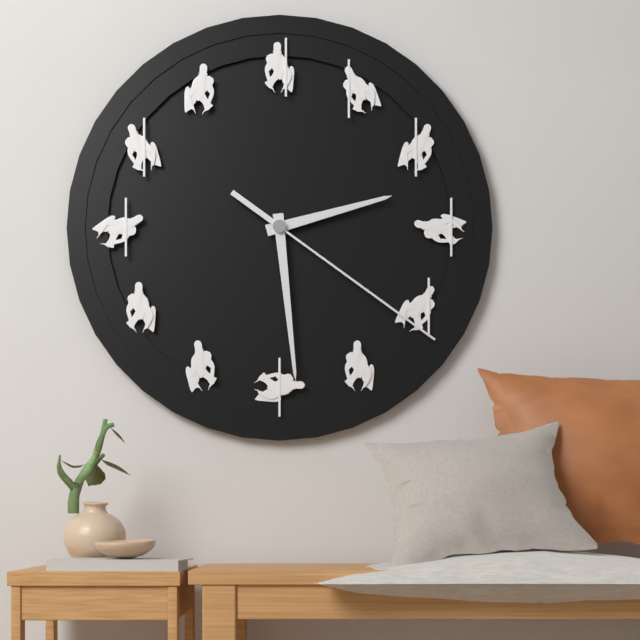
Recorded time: 2.29.21
